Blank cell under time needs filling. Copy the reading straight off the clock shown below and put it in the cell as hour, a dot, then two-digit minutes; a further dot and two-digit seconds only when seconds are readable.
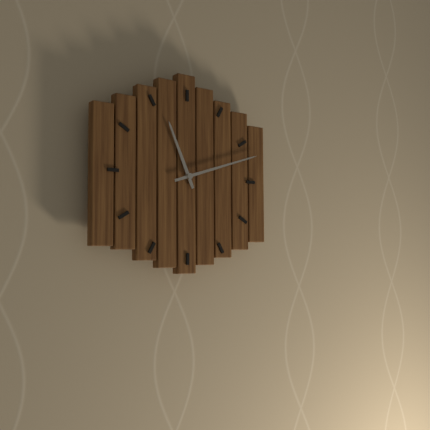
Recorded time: 11.12
